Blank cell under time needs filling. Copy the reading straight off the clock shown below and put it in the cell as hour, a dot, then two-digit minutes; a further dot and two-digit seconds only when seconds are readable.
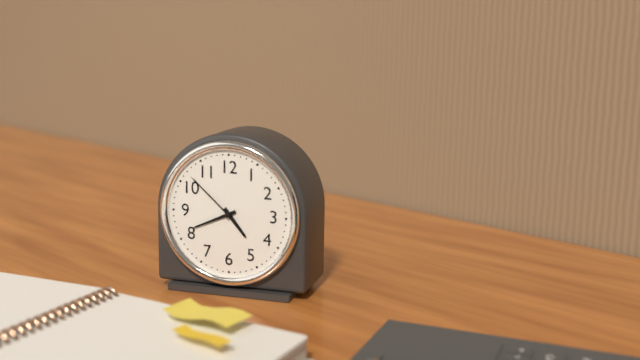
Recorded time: 4.41.52
